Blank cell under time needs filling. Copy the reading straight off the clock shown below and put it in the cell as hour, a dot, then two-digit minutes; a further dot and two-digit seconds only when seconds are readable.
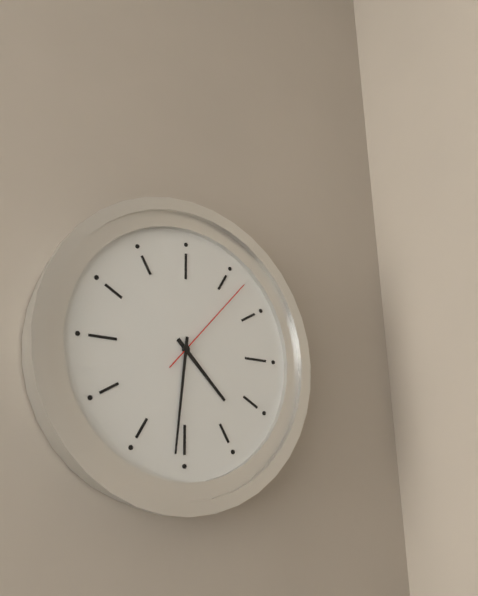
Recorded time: 4.31.07
